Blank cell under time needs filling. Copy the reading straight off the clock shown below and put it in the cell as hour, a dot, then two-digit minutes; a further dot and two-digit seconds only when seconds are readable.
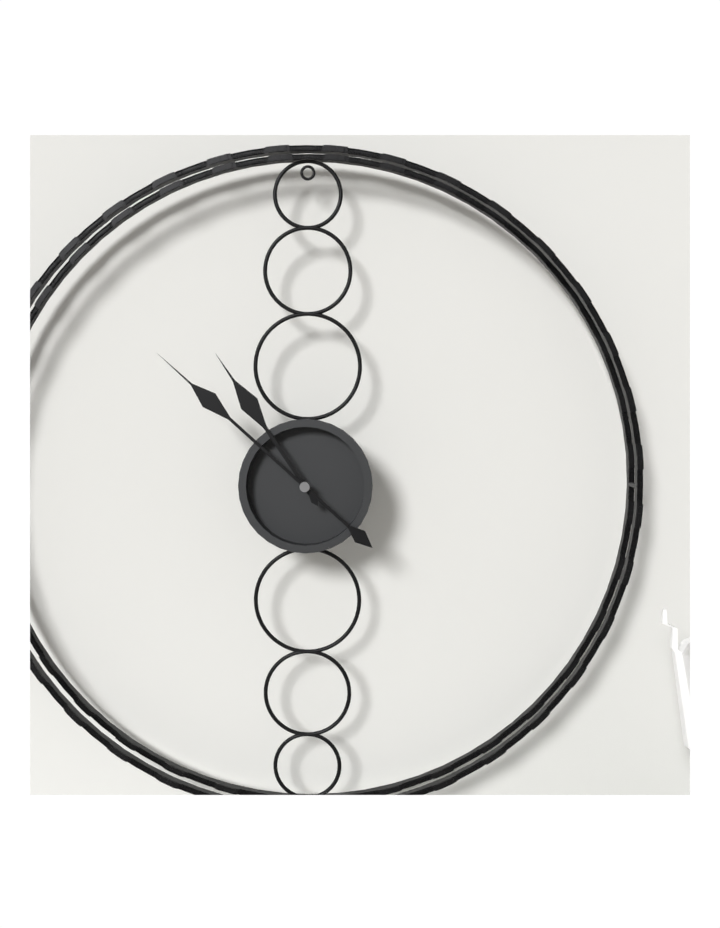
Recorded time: 10.52
